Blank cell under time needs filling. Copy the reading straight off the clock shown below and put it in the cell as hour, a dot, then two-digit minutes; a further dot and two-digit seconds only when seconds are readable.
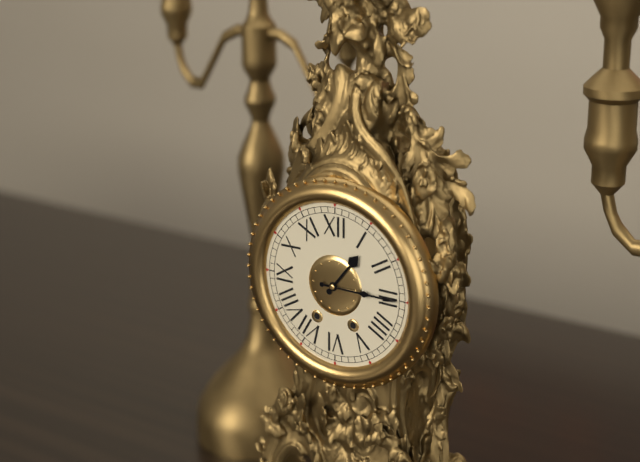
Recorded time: 1.15
